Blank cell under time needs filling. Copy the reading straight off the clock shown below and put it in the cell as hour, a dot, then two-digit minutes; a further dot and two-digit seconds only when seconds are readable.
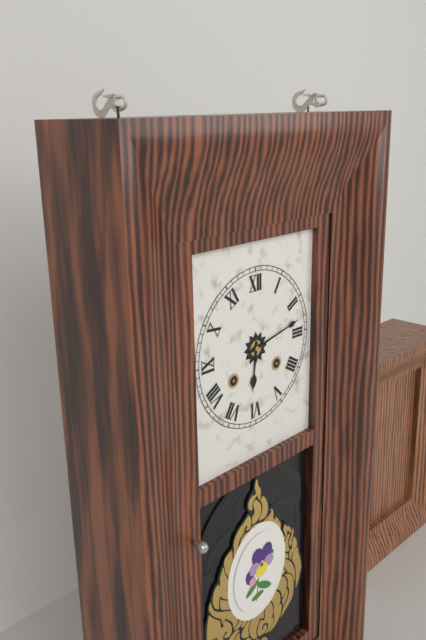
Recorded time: 6.13
